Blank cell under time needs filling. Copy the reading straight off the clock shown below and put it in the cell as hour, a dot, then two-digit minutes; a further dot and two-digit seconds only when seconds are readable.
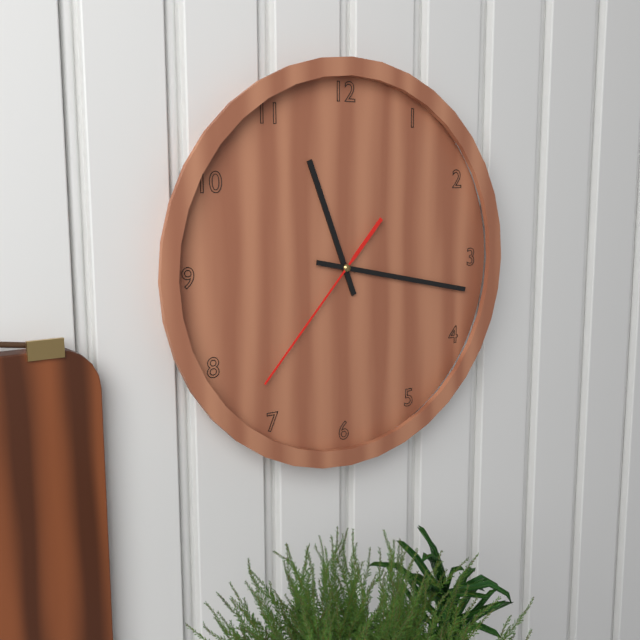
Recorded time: 11.17.37
